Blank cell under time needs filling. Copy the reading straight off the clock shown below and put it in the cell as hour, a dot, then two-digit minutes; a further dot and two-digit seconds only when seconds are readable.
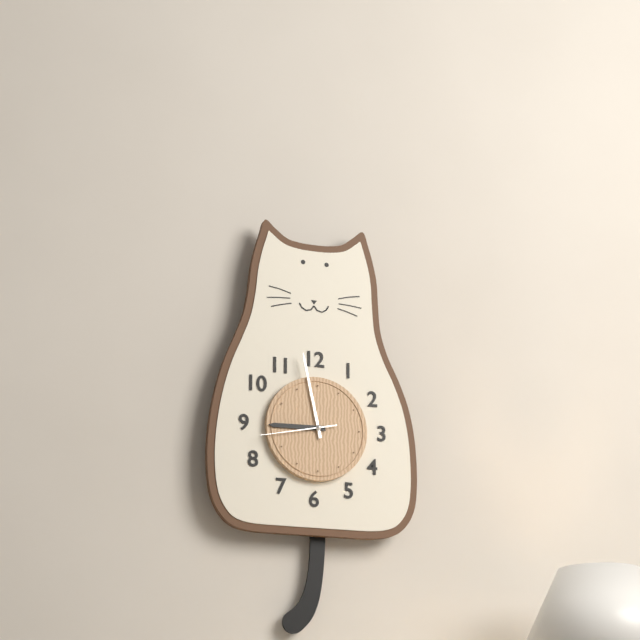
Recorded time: 8.58.43
